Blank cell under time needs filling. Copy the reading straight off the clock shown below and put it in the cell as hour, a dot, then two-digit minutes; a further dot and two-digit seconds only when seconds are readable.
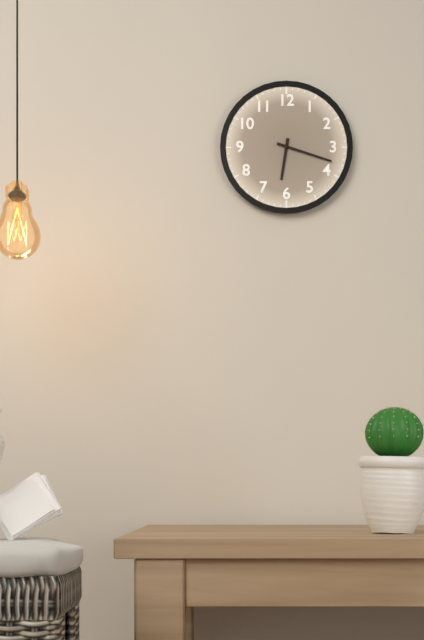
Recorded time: 6.18
